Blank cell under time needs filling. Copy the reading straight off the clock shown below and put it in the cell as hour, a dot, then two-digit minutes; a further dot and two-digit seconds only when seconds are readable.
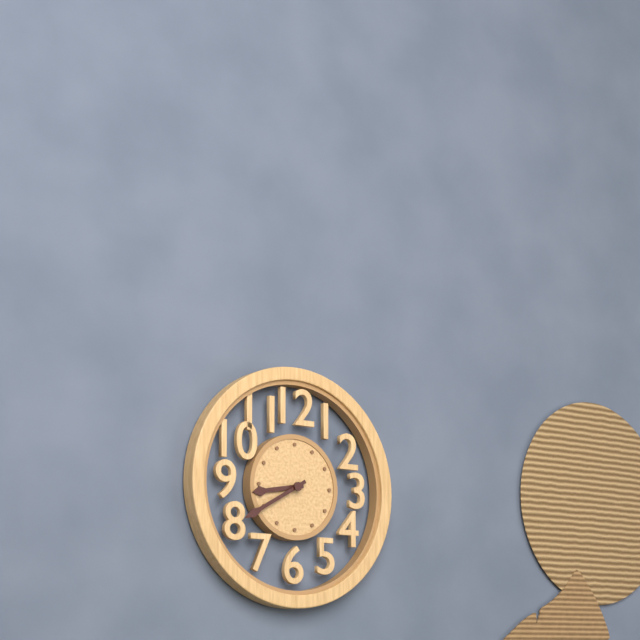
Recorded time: 8.40
